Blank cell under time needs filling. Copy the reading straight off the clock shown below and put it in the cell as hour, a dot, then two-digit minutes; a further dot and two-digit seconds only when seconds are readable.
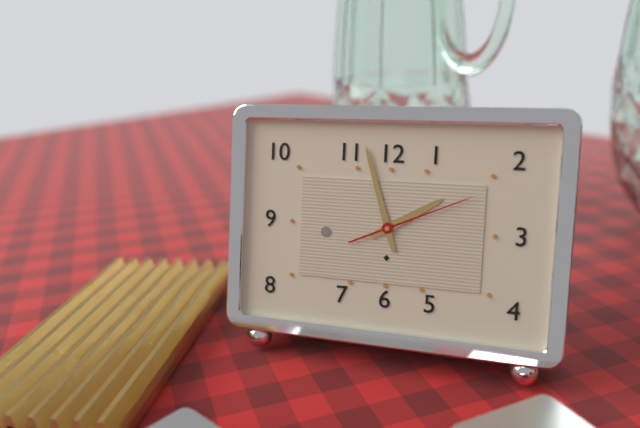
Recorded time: 1.57.11
